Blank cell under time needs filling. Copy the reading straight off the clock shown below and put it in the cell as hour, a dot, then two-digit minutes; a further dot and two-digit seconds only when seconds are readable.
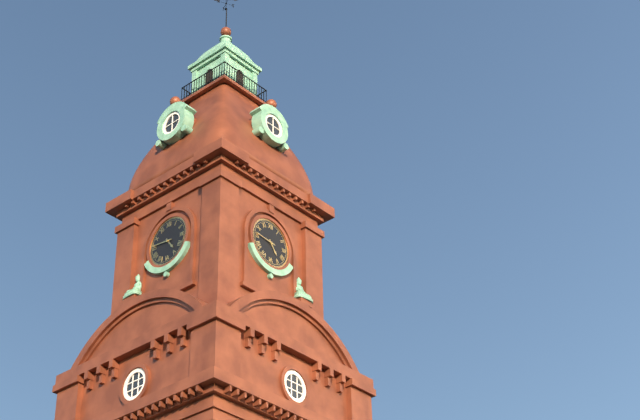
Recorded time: 4.46
